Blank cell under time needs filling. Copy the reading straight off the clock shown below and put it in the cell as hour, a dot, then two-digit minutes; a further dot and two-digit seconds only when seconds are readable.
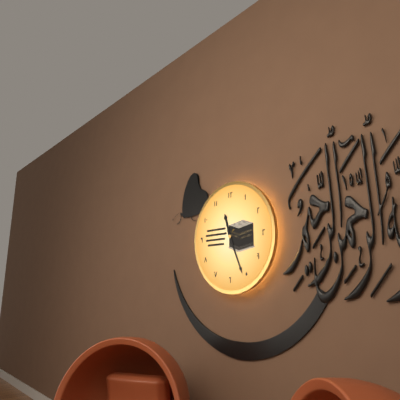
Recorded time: 11.26
